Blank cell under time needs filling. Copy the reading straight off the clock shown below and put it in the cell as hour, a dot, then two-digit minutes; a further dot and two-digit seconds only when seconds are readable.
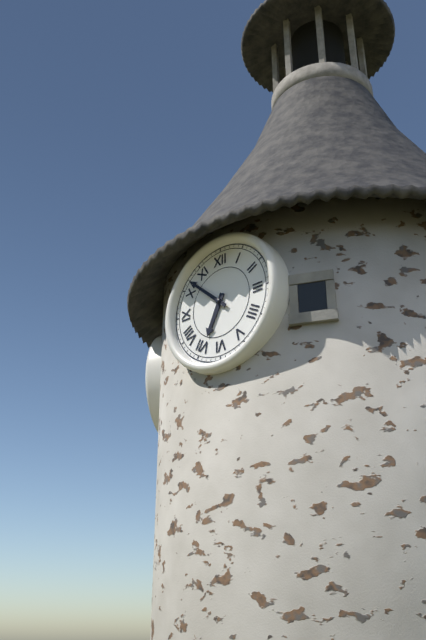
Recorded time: 6.52
